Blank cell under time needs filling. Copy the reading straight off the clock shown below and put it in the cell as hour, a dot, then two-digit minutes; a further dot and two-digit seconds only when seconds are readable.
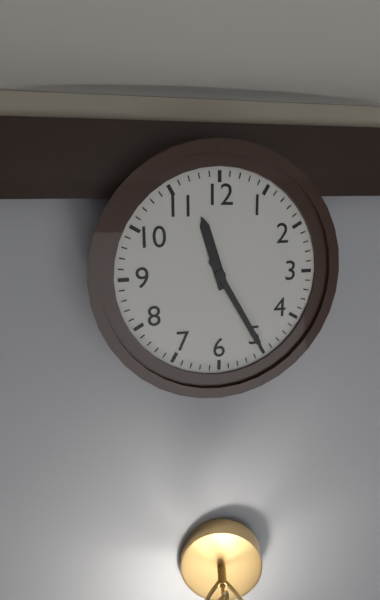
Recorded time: 11.25
